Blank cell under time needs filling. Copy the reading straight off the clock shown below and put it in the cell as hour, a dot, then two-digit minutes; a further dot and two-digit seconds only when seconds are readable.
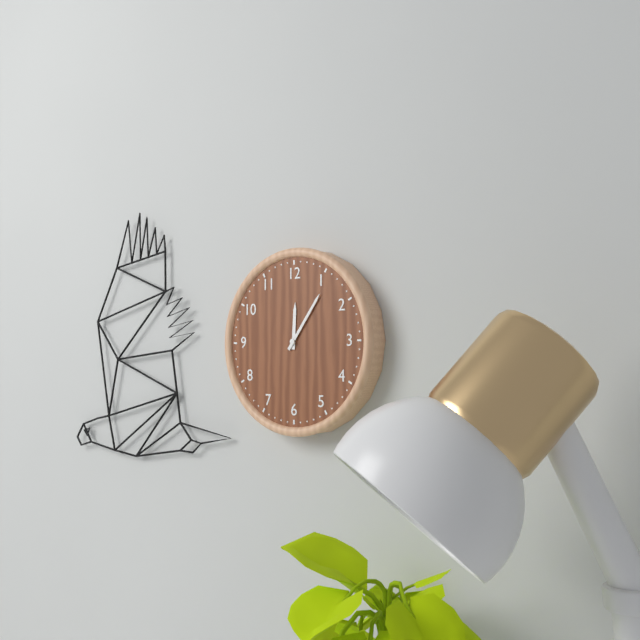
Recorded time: 12.06
